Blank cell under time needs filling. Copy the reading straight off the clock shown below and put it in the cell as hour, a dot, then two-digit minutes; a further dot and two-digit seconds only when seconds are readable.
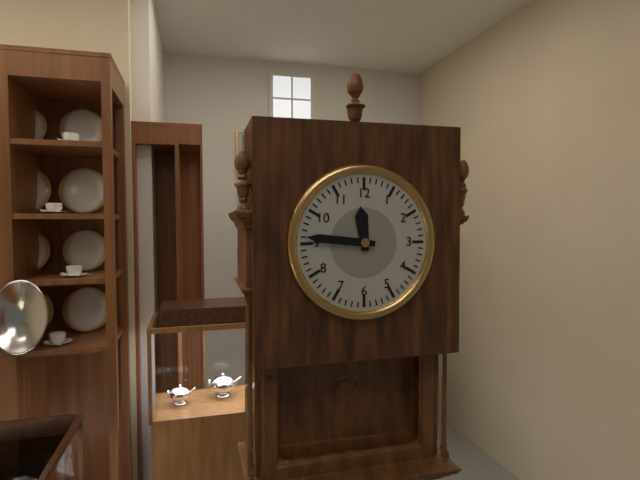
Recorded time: 11.46
